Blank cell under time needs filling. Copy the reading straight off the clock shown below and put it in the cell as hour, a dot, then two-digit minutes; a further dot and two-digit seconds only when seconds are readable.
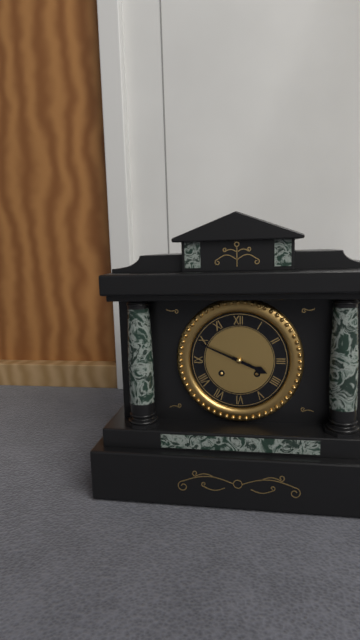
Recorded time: 3.49
